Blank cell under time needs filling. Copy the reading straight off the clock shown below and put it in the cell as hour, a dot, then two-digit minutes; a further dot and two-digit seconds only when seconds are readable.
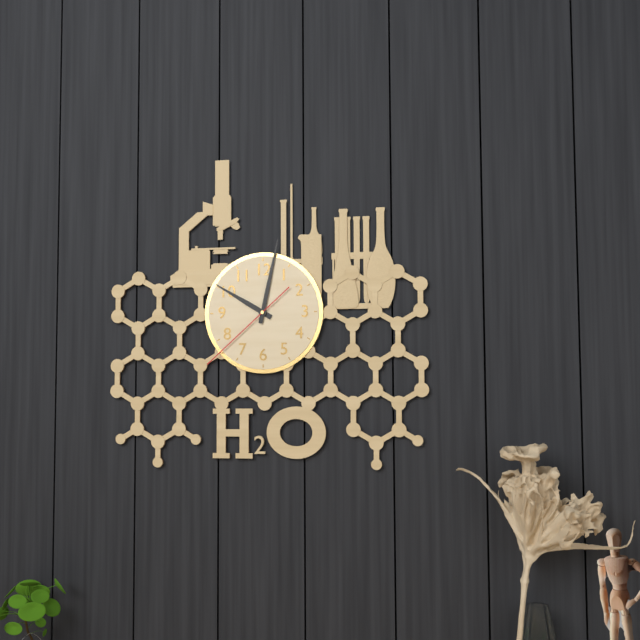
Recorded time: 10.02.38
